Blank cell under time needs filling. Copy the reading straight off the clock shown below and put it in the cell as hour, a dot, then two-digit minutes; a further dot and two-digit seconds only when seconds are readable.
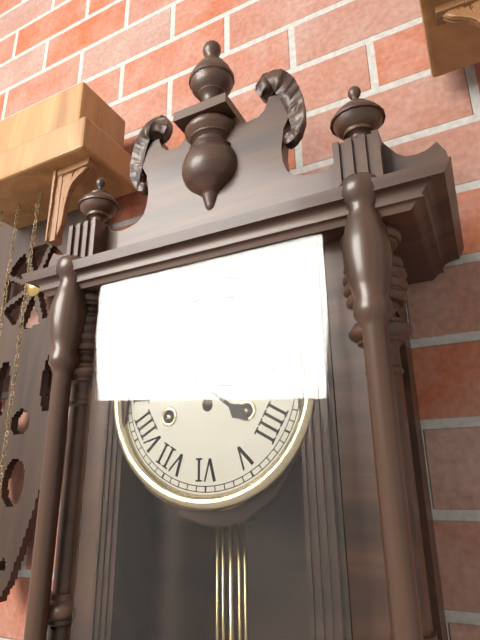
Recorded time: 4.16
